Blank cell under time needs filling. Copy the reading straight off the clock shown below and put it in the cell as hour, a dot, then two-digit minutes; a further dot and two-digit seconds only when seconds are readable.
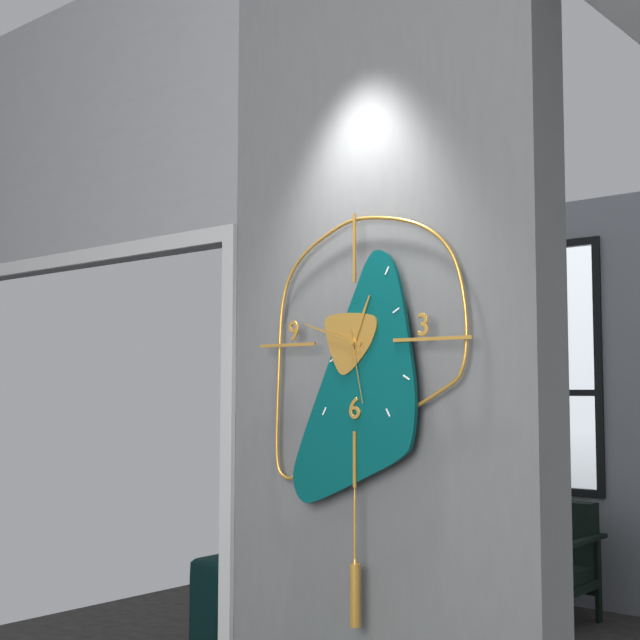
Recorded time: 12.48.28
